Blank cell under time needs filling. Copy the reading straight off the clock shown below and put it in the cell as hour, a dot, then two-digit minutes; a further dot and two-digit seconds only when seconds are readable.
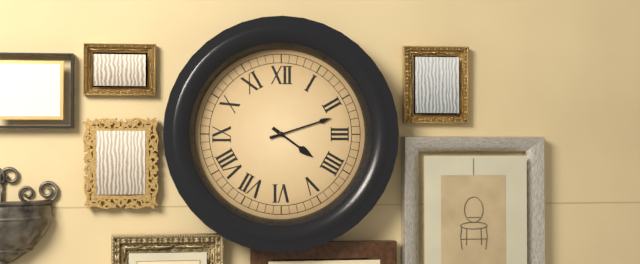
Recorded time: 4.12
